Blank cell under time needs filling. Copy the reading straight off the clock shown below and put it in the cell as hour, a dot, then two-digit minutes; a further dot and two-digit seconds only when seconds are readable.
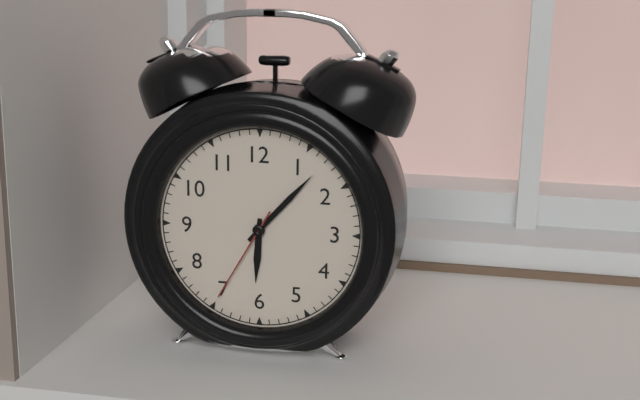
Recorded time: 6.07.35
